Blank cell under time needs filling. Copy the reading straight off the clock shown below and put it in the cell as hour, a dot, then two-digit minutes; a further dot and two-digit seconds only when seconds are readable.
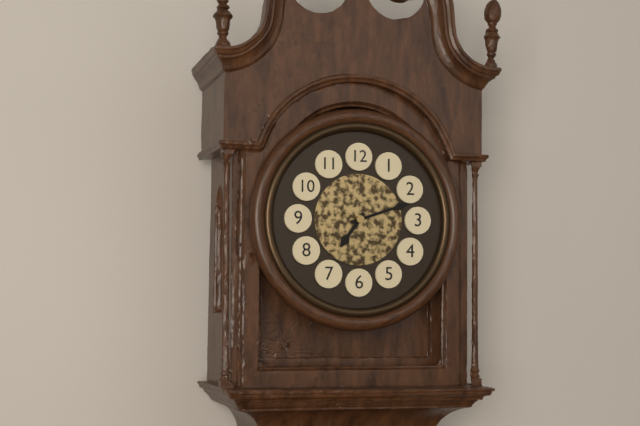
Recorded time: 7.12
